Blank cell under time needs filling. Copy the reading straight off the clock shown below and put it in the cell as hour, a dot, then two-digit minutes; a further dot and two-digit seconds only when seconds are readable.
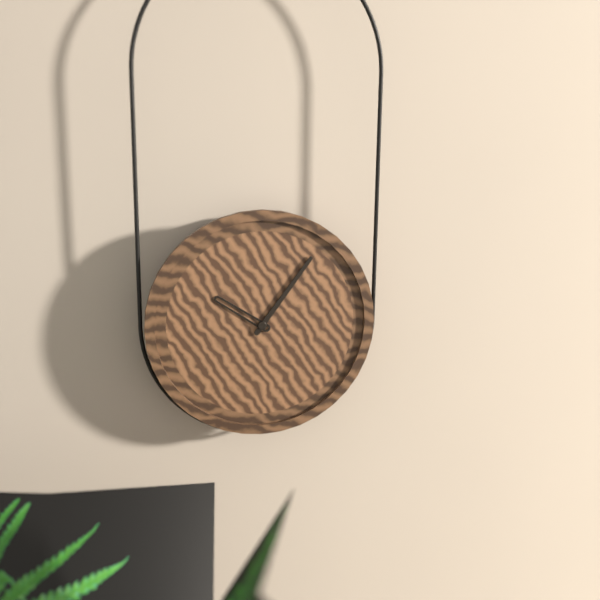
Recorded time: 10.06
